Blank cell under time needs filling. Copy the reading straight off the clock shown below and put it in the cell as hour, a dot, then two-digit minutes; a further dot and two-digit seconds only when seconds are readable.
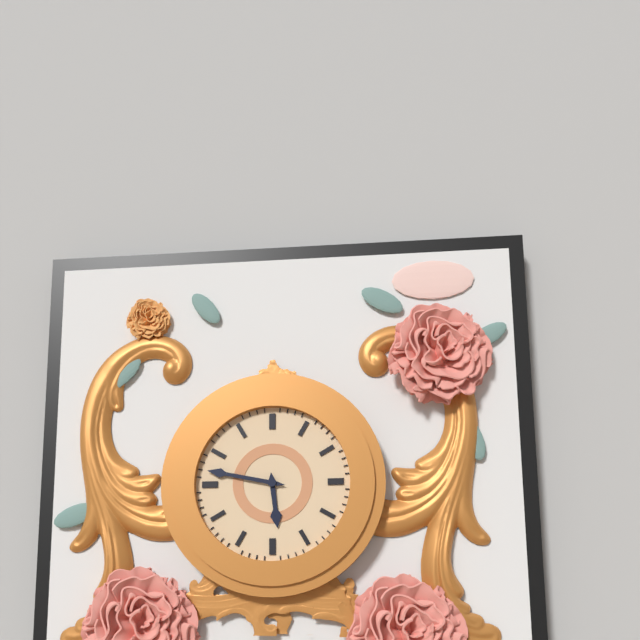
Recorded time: 5.47
